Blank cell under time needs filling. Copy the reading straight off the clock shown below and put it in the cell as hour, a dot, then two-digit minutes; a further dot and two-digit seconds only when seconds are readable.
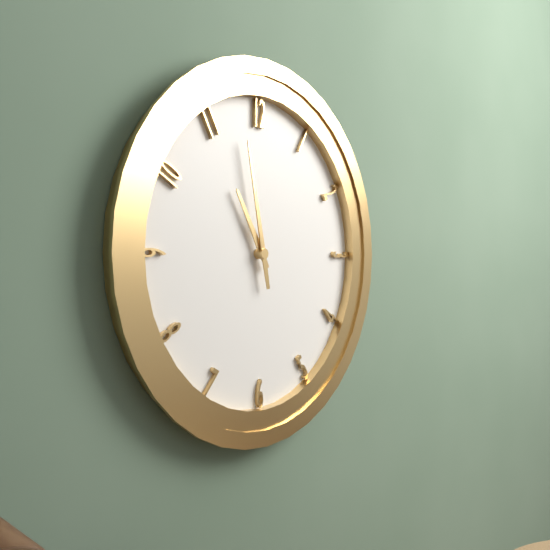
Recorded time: 10.58
